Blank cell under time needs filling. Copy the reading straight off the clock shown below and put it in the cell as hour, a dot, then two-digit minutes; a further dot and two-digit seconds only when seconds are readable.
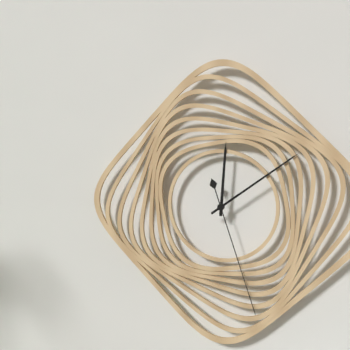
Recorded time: 12.09.27
